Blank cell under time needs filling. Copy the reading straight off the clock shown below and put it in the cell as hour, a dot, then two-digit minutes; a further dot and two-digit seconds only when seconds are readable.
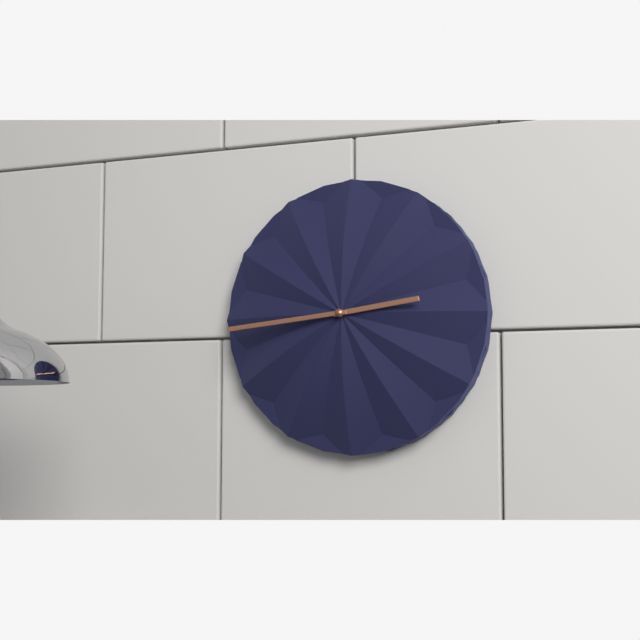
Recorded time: 2.44
